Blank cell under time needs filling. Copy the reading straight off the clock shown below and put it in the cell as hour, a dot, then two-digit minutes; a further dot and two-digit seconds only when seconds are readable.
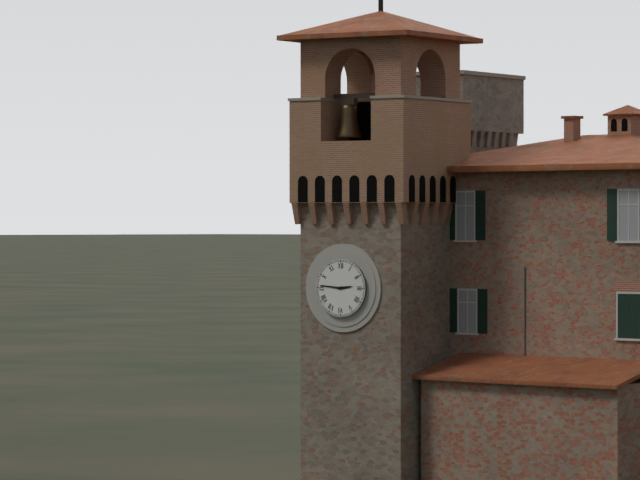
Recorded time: 2.46
